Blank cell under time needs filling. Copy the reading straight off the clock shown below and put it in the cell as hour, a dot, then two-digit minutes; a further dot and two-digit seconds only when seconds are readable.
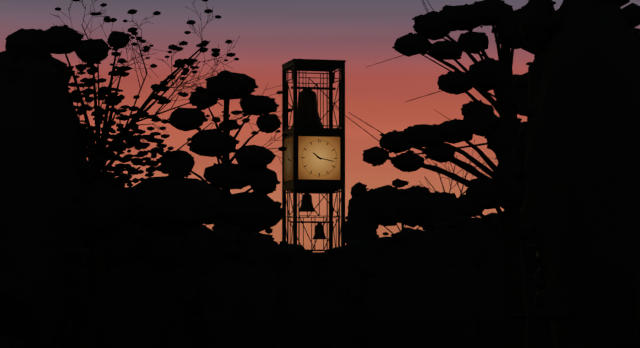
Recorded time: 10.17
